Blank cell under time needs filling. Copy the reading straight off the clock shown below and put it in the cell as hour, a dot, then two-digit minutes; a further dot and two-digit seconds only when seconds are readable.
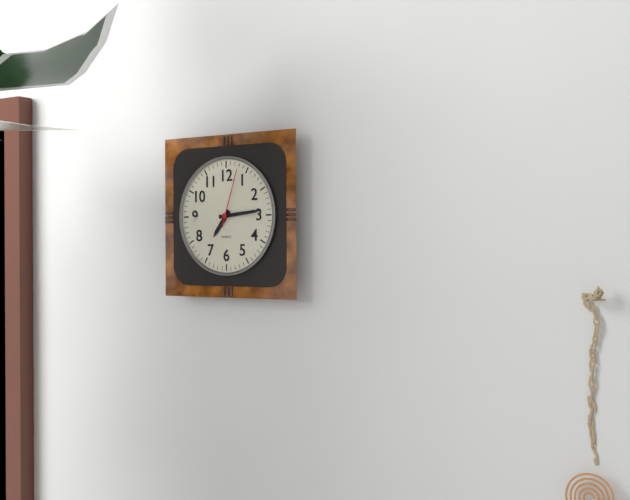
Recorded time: 7.14.03
